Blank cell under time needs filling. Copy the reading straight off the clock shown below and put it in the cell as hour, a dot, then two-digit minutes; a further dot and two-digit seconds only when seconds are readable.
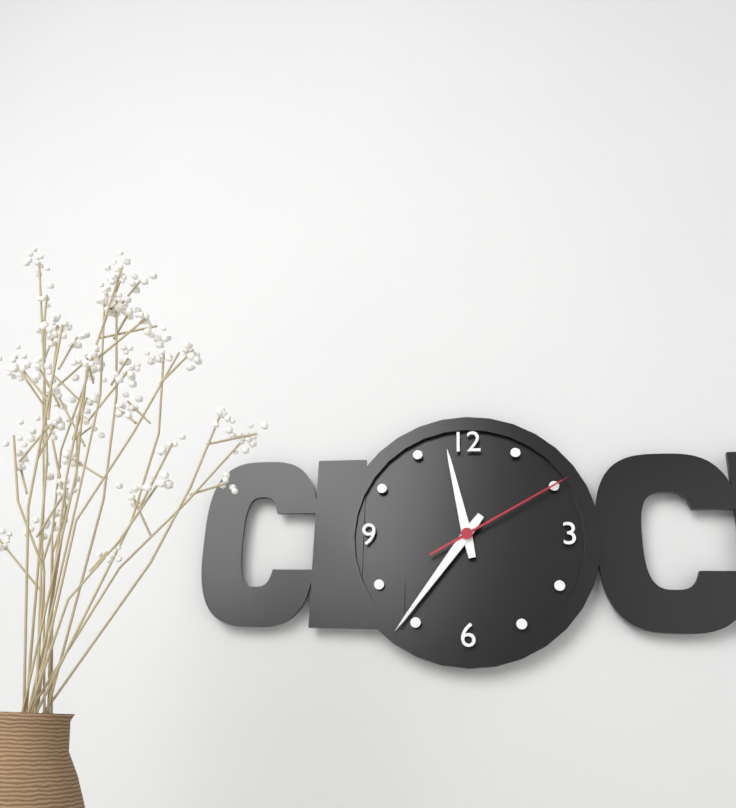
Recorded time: 11.36.10
